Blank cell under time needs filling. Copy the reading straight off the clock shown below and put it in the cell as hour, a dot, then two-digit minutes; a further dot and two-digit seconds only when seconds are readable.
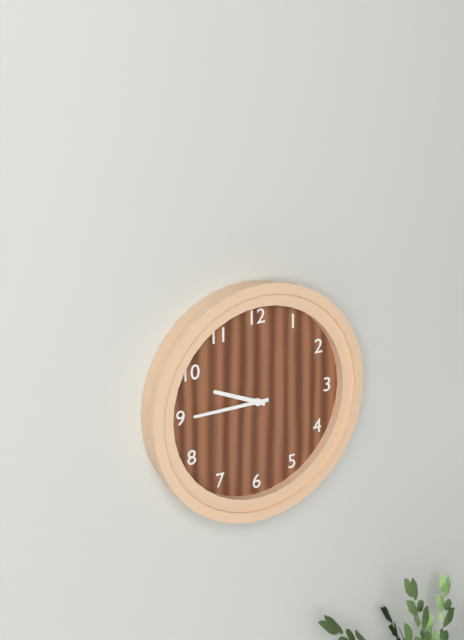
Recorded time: 9.45
